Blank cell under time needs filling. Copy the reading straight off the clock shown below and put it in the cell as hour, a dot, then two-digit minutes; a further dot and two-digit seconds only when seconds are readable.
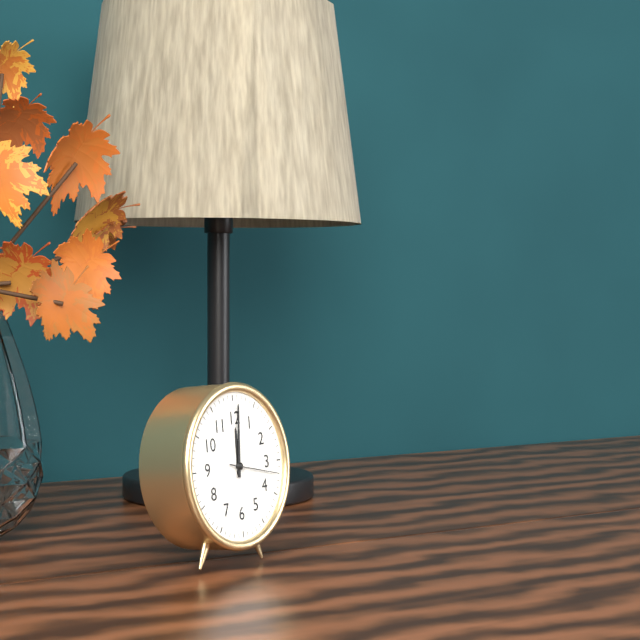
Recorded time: 12.01
